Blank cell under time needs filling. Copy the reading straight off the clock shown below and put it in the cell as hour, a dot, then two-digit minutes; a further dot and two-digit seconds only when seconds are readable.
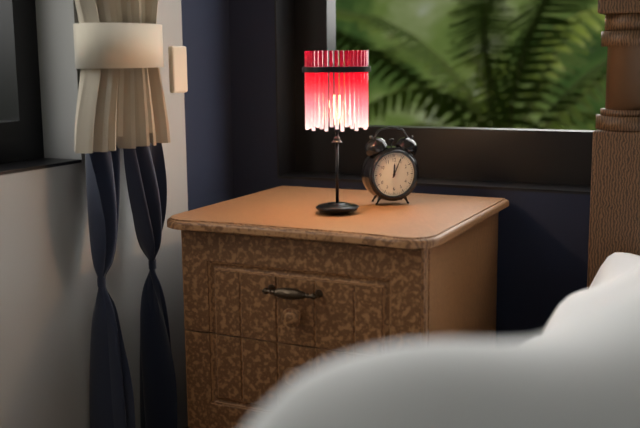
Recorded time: 12.04
